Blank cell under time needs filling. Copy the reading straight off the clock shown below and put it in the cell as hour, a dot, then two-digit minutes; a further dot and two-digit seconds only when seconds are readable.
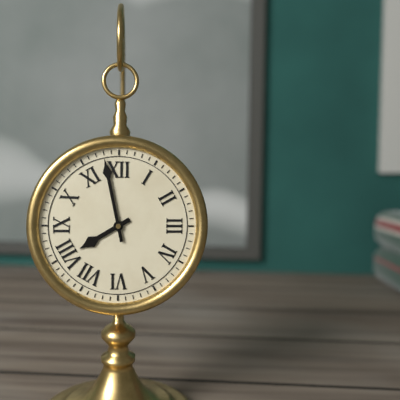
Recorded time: 7.58
